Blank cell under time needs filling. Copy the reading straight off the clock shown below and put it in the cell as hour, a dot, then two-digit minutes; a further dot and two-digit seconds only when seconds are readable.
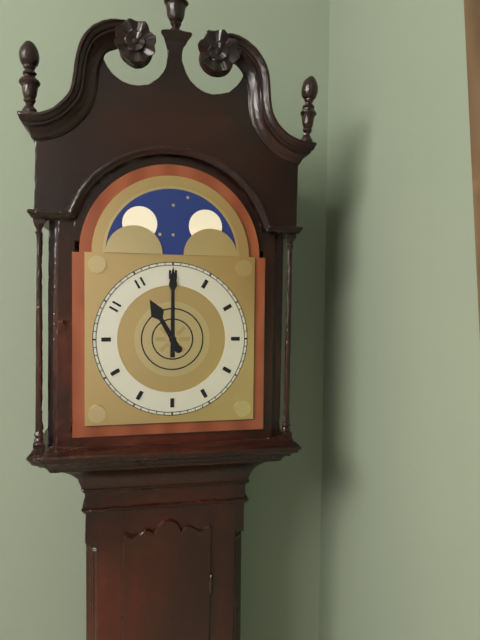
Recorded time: 11.00
